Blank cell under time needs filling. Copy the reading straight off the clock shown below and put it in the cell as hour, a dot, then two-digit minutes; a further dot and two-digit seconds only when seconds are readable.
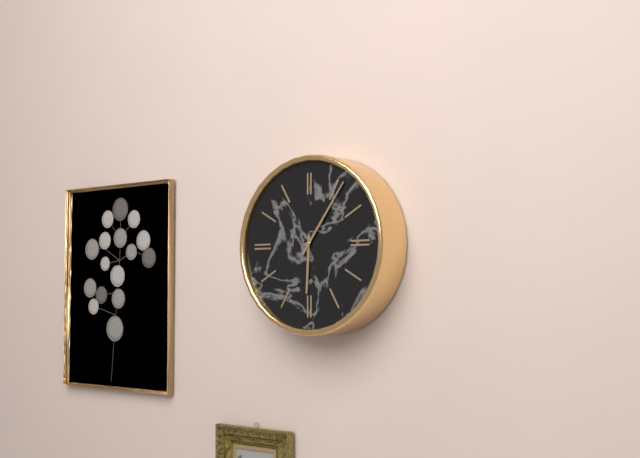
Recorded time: 6.06
